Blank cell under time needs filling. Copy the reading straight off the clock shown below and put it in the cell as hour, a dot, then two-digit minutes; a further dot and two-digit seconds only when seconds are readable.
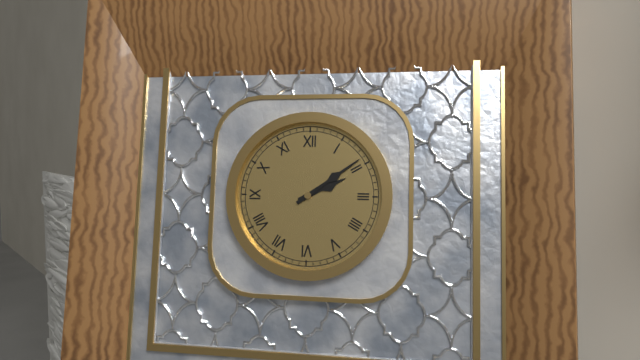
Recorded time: 2.09
